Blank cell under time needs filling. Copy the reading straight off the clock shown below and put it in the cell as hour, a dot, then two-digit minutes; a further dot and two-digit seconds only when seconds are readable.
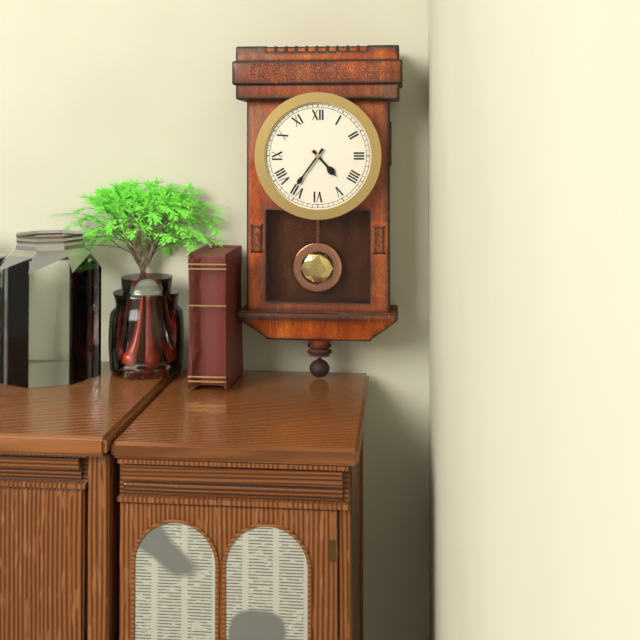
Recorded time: 4.36
